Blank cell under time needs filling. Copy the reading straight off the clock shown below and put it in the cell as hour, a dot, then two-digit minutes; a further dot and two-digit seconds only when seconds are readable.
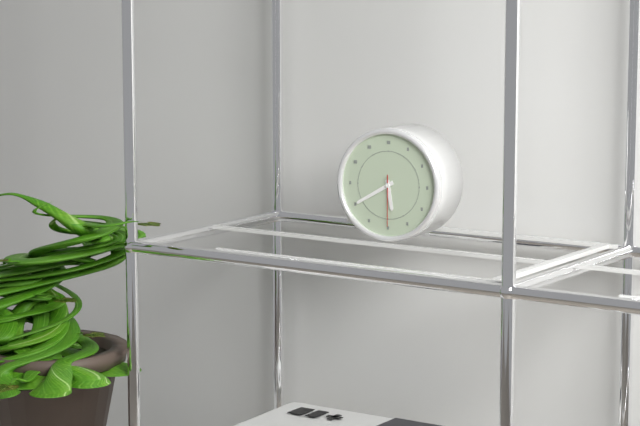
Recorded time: 5.40.30
